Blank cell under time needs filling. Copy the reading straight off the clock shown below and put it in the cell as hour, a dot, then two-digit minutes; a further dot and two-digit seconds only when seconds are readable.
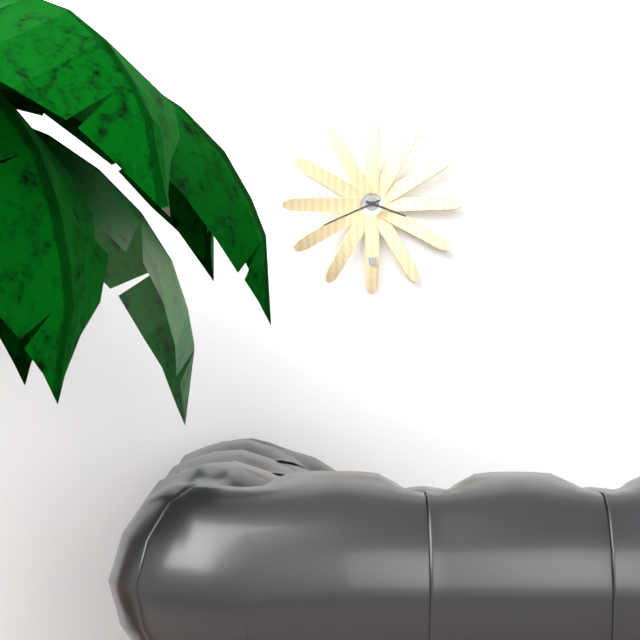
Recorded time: 3.41
